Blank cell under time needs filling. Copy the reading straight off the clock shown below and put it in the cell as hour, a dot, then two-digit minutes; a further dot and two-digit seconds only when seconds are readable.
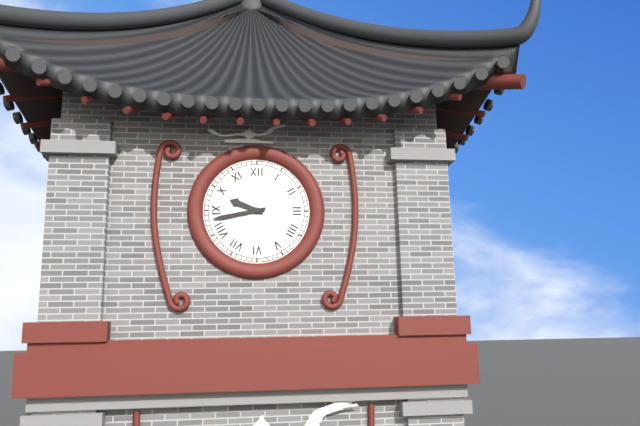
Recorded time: 9.43
